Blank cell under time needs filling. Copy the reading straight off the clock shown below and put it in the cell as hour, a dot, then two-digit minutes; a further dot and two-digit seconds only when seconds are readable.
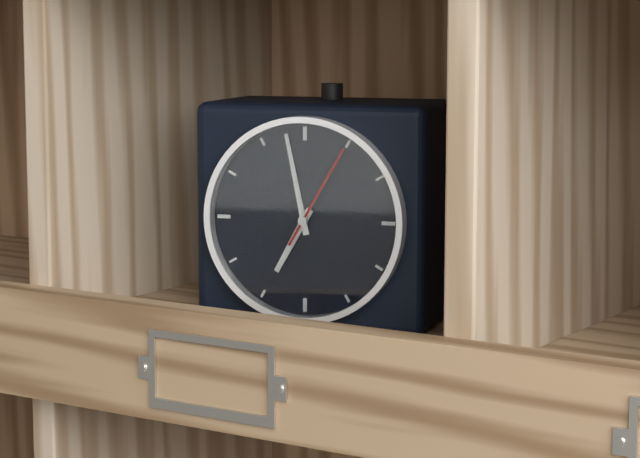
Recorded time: 6.58.05
